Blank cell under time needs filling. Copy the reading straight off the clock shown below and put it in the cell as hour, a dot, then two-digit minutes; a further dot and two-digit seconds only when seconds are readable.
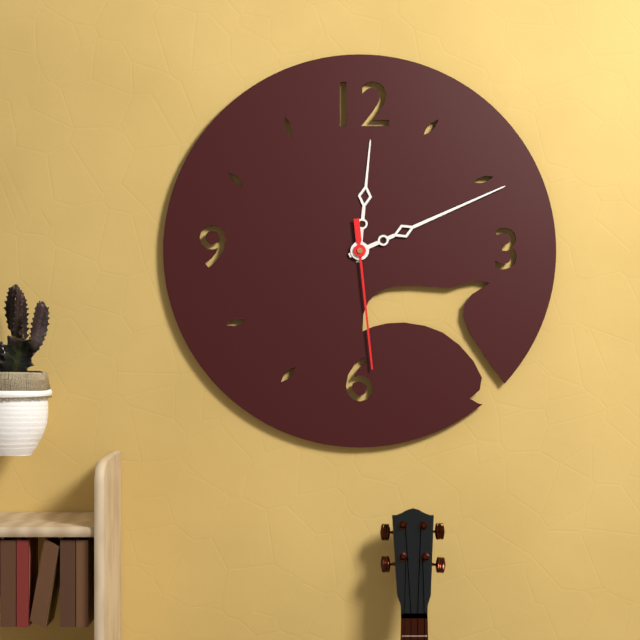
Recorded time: 12.11.29
